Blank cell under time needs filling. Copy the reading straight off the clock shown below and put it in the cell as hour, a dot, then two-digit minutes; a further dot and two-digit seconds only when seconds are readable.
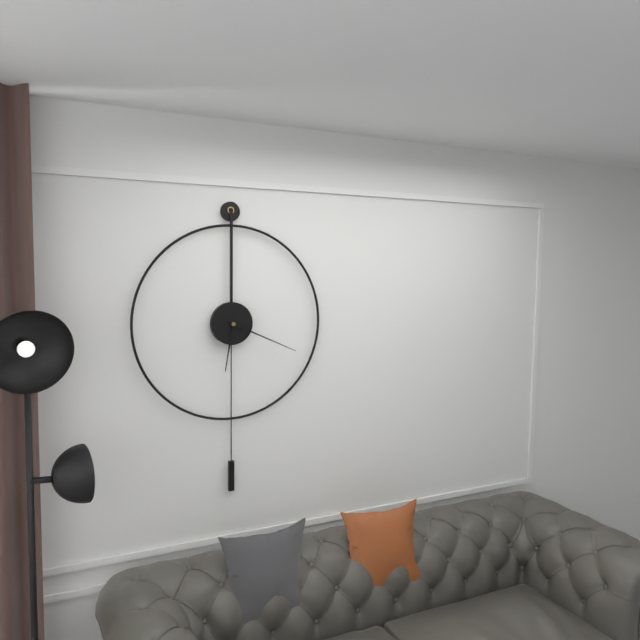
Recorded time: 6.19
